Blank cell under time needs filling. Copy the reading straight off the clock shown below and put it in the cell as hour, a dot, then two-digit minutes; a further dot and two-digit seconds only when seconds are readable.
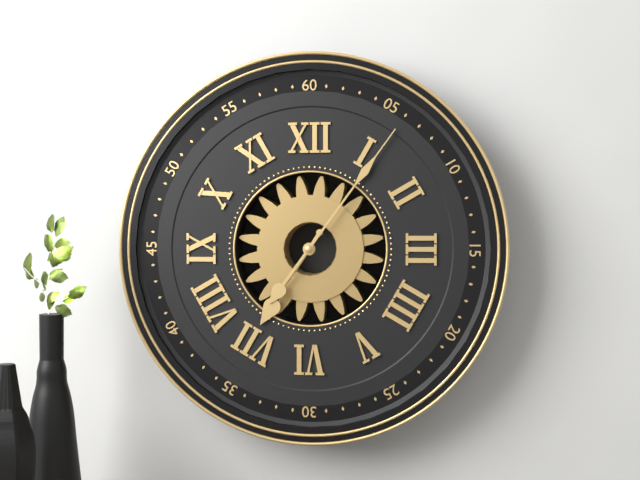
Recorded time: 7.06
